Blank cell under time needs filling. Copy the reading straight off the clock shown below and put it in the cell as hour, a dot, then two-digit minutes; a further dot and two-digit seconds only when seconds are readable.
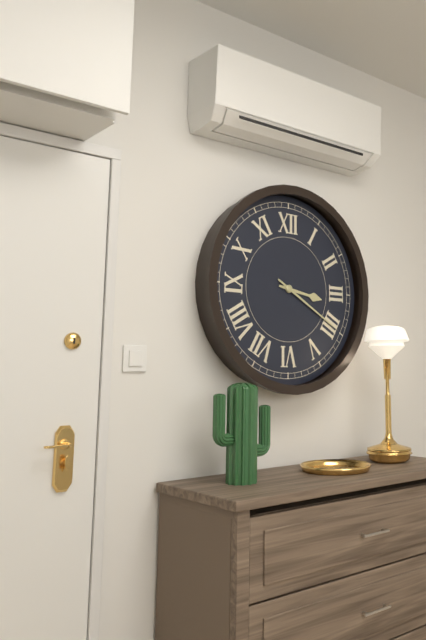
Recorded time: 3.20
